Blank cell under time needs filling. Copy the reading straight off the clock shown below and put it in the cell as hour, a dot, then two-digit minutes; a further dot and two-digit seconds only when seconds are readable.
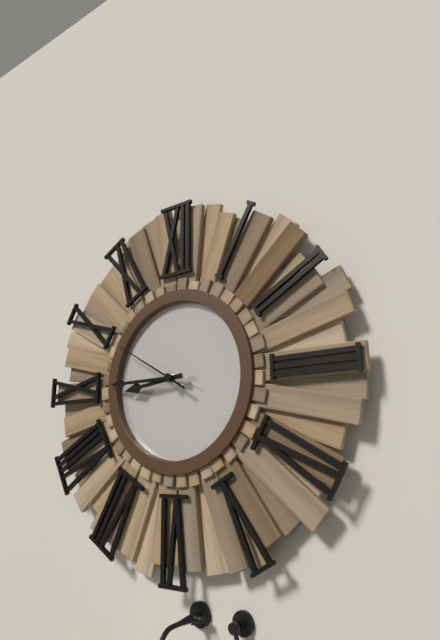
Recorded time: 8.45.50
